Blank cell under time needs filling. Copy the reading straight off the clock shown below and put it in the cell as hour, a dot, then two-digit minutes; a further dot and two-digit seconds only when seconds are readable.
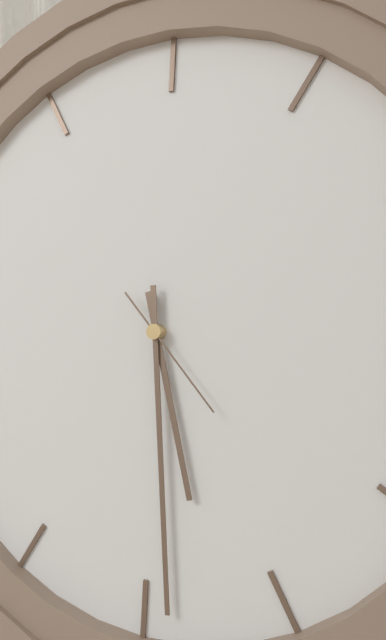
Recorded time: 5.29.23
